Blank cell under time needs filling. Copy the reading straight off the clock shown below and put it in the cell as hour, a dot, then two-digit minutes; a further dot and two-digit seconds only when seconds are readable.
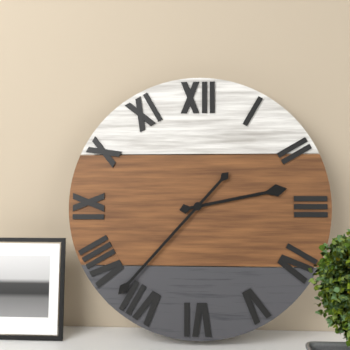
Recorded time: 2.37
